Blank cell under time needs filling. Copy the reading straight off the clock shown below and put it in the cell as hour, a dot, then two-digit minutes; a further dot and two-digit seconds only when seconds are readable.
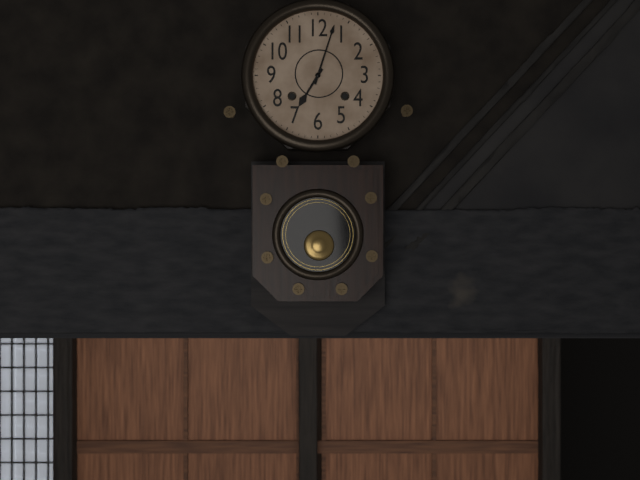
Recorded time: 7.03
